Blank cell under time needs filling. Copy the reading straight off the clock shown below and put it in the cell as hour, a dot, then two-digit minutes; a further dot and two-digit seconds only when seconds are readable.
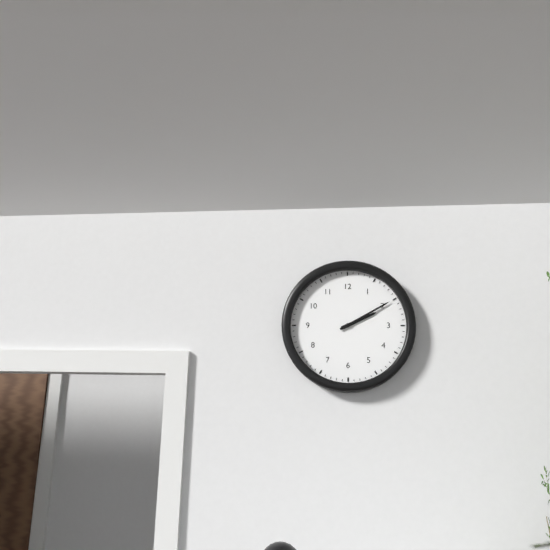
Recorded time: 2.10
